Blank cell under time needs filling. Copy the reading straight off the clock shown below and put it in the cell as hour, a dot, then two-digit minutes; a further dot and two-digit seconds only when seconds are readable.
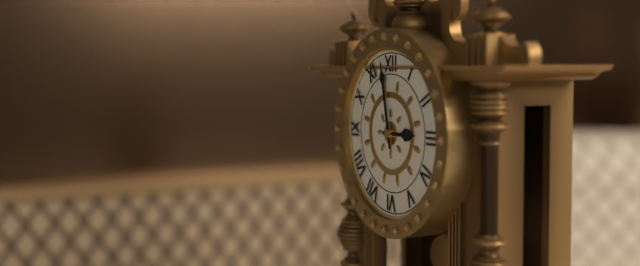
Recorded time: 2.58
